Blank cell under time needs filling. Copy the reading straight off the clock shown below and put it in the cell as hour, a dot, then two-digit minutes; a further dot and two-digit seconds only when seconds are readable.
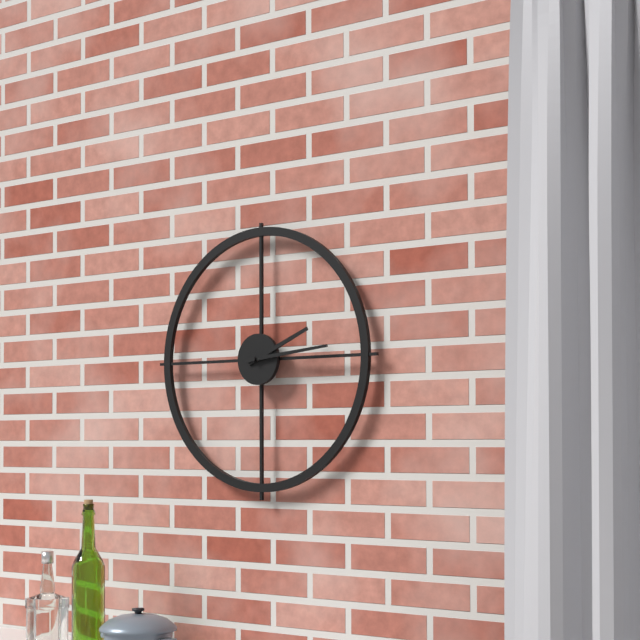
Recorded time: 2.14
